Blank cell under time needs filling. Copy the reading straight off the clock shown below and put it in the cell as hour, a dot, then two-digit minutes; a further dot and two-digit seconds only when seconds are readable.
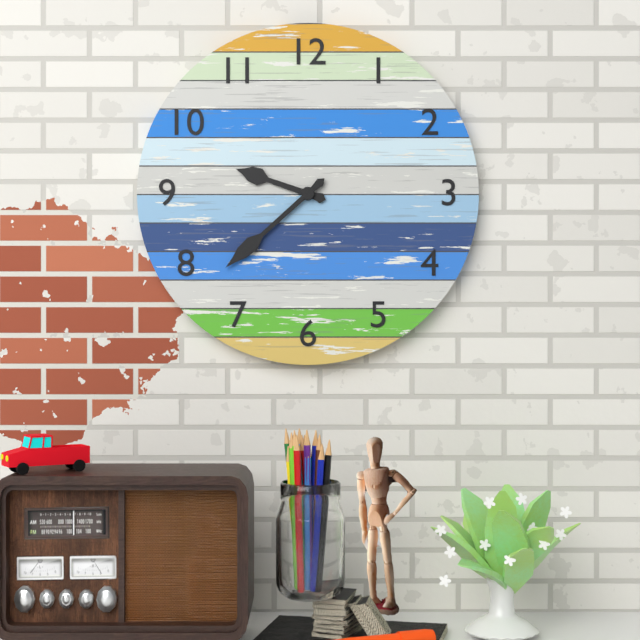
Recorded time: 9.38
